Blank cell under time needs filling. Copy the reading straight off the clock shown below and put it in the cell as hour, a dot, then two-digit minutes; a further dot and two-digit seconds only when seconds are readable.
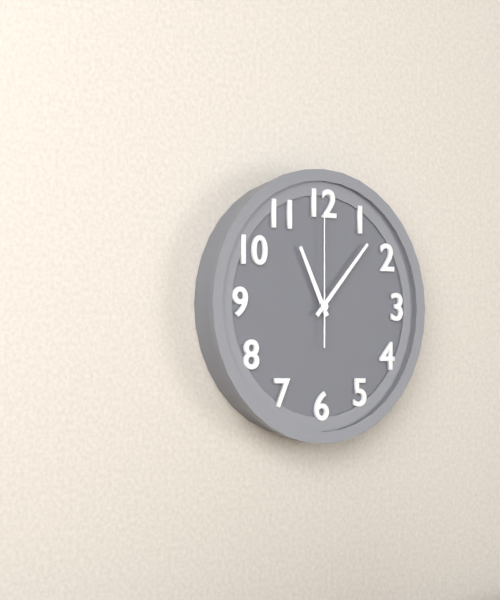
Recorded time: 11.07.00
